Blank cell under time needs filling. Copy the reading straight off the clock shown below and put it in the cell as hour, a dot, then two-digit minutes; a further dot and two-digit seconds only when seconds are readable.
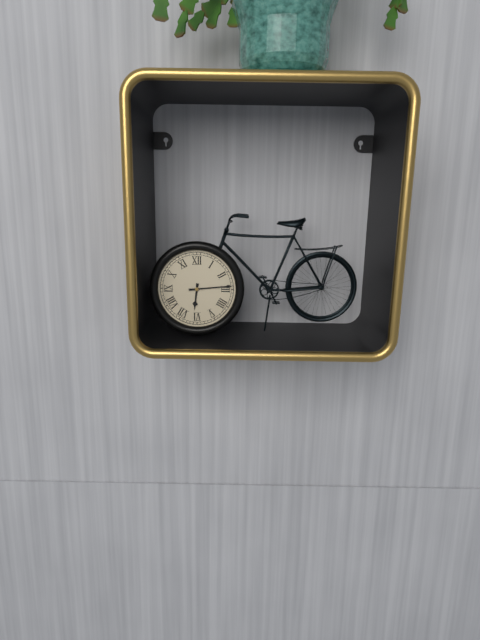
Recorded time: 6.14
